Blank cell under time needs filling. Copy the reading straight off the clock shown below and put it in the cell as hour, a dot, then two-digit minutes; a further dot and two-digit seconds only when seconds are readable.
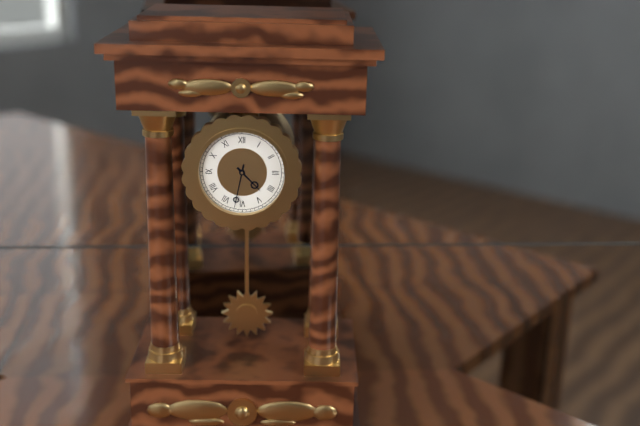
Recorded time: 4.32
